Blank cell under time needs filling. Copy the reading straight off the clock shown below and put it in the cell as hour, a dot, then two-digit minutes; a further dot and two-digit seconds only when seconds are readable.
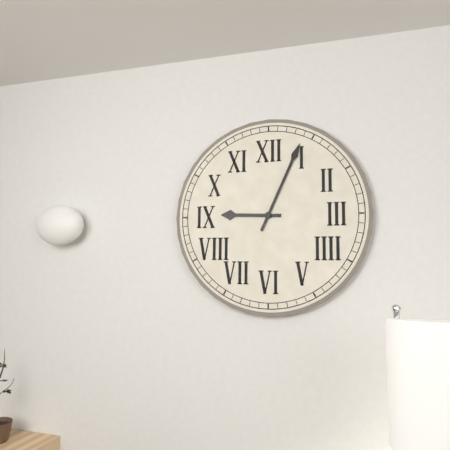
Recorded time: 9.04
